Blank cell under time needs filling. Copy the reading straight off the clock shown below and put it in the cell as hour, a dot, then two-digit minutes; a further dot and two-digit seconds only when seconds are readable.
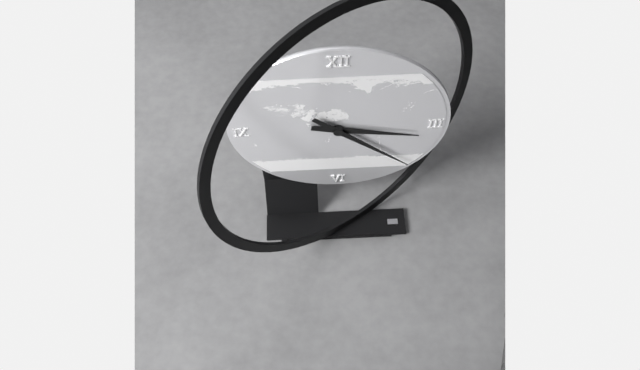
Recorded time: 3.22
